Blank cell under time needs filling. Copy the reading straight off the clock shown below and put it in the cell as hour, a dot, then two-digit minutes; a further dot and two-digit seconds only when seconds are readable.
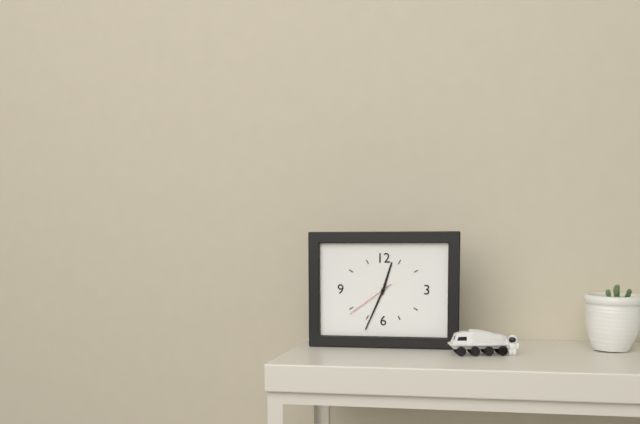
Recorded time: 12.34.39
